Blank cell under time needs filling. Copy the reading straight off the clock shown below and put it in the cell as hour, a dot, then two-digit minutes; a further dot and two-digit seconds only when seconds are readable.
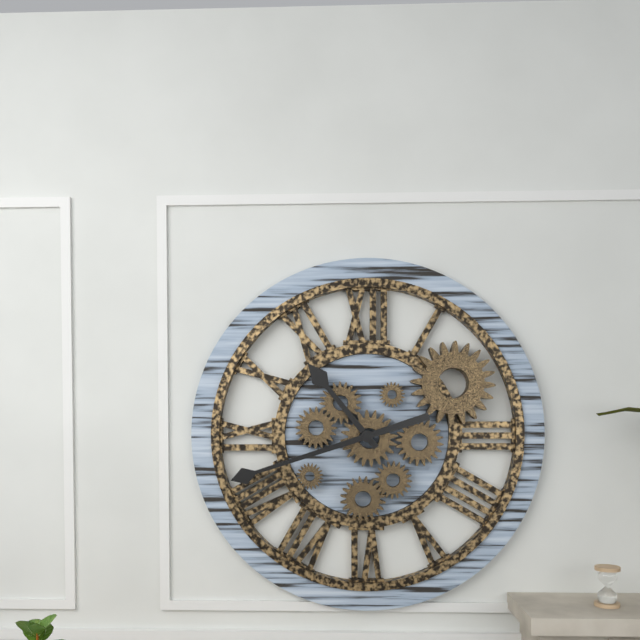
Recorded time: 10.42
